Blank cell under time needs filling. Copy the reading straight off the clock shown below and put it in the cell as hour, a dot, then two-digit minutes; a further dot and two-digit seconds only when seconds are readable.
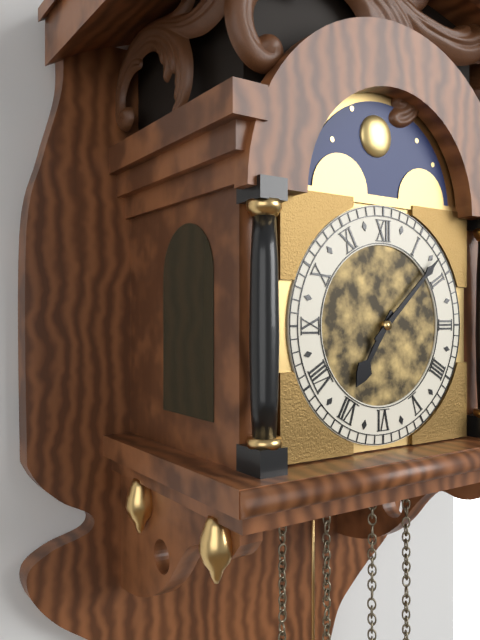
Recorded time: 7.08
